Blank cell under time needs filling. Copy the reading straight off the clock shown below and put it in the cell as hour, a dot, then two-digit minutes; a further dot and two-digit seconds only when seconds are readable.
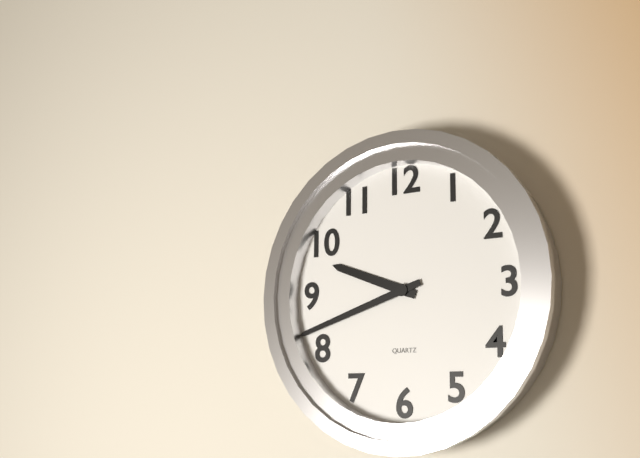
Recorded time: 9.42
